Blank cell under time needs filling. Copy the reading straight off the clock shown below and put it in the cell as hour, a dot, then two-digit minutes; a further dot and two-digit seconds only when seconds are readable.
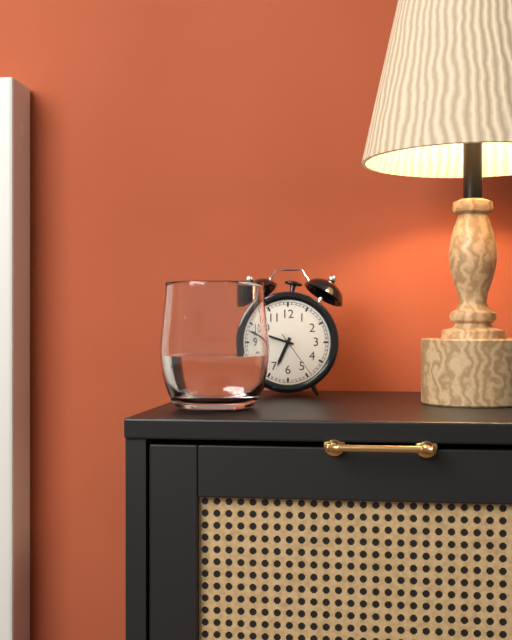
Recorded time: 6.48
